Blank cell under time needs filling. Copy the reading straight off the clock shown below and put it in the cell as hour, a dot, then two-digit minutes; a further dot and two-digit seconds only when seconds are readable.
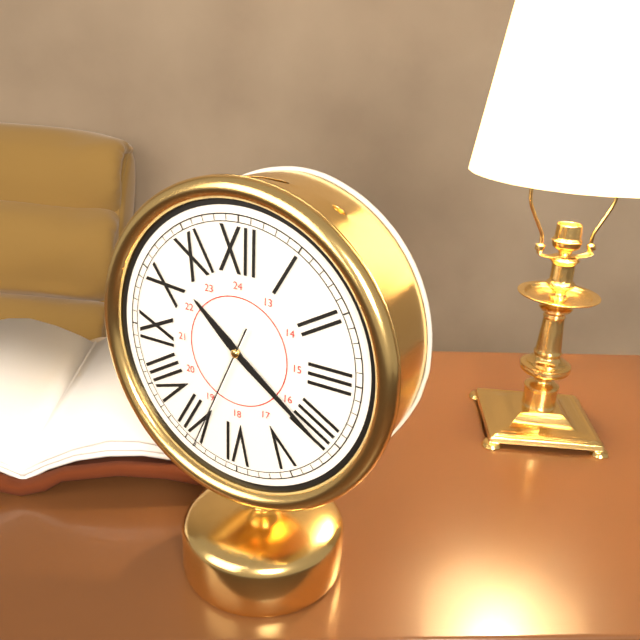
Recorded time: 10.21.34
